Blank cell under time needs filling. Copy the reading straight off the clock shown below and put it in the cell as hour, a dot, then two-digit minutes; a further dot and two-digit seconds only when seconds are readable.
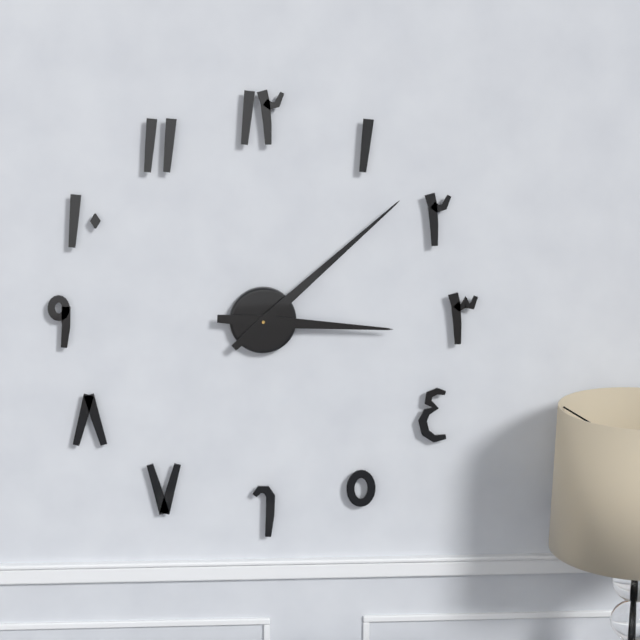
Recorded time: 3.08
